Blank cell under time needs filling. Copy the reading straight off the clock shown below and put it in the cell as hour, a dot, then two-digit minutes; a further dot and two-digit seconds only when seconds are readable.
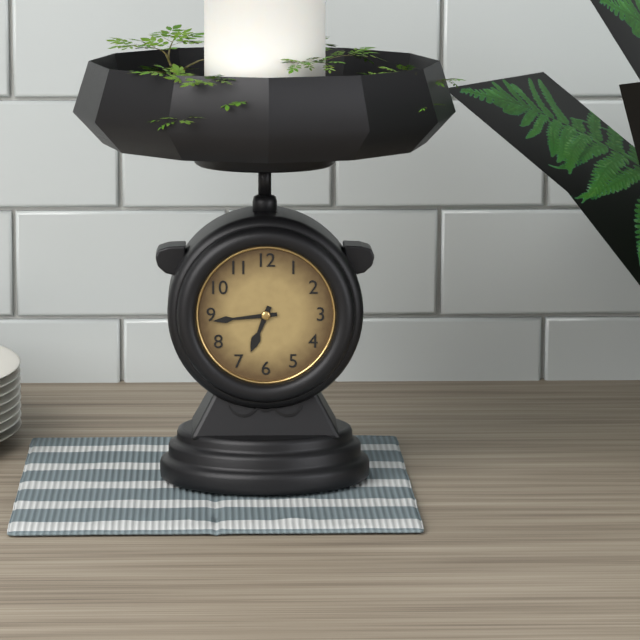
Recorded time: 6.44
